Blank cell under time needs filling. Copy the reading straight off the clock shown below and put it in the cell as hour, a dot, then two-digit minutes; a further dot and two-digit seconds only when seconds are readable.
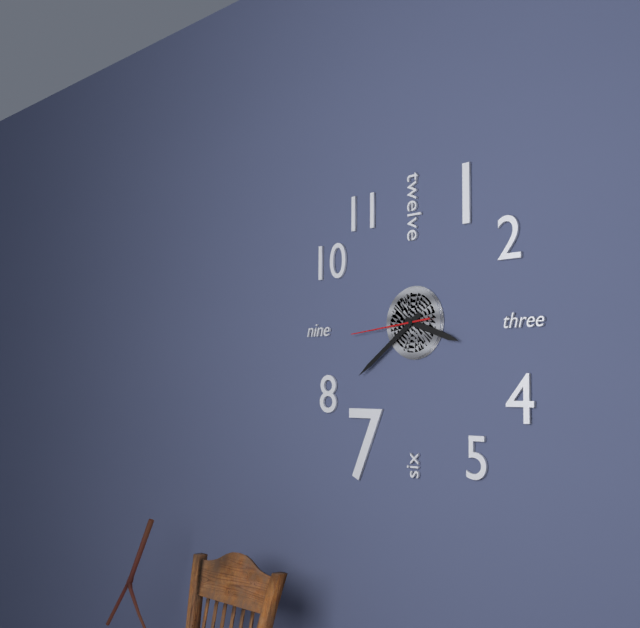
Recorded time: 3.39.44
